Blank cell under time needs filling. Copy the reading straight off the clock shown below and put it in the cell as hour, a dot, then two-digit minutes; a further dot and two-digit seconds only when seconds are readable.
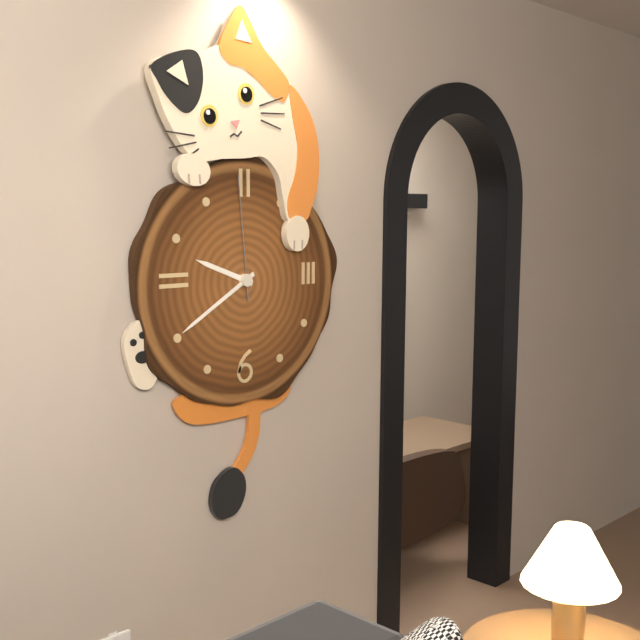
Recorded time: 9.40.59
